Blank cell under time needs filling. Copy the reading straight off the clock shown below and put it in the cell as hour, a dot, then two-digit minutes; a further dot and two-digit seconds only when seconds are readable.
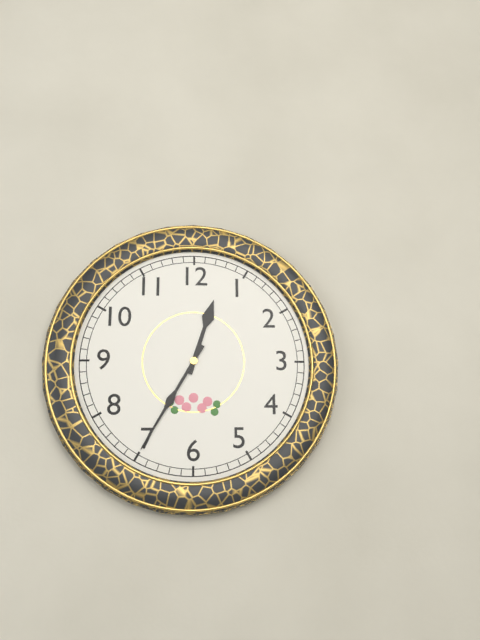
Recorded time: 12.35
